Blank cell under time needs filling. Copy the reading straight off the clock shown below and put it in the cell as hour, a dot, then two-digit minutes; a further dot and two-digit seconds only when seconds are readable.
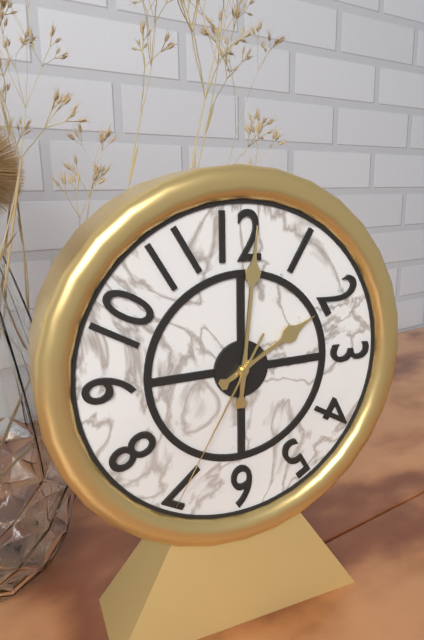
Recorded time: 2.01.35
